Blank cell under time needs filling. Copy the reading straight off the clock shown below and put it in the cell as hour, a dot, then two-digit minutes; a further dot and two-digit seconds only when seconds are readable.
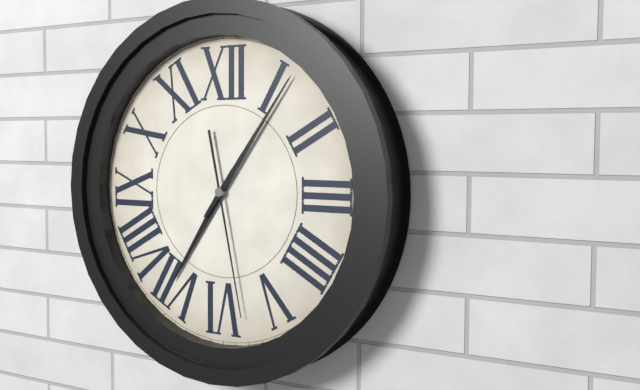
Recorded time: 7.06.28
